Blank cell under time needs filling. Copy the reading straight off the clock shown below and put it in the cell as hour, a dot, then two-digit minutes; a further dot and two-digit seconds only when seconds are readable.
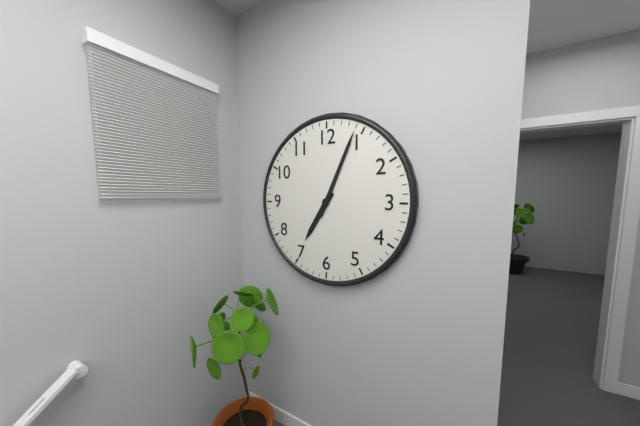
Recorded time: 7.04
